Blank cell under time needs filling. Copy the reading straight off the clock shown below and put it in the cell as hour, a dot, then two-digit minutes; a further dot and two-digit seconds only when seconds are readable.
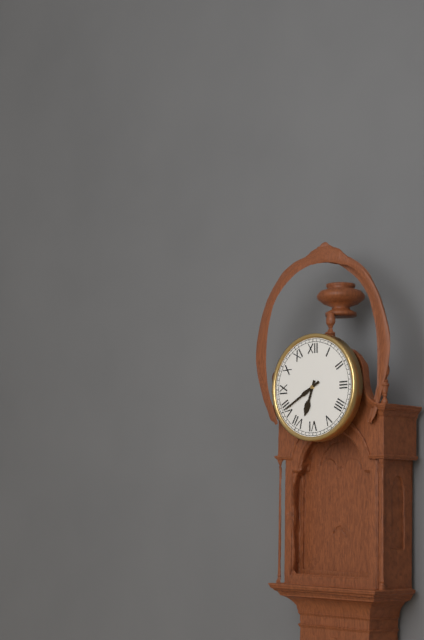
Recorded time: 6.40
